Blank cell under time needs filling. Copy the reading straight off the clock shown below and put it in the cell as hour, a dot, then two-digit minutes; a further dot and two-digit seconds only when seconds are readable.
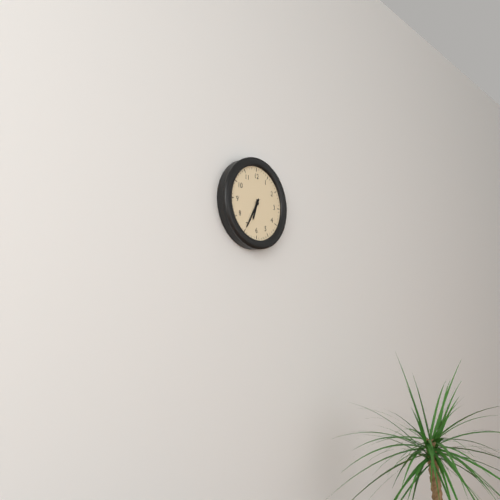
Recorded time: 6.35
